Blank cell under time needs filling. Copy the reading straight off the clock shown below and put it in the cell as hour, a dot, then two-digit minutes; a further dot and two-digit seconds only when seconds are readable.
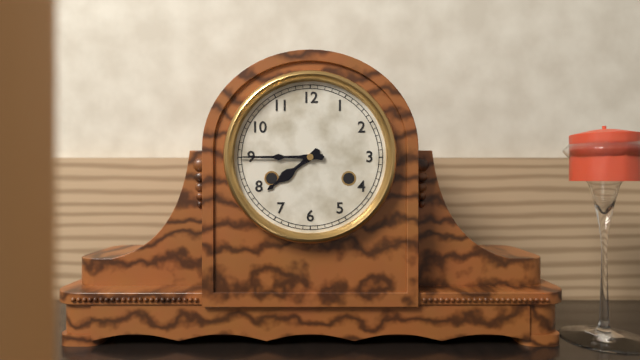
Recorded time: 7.45
